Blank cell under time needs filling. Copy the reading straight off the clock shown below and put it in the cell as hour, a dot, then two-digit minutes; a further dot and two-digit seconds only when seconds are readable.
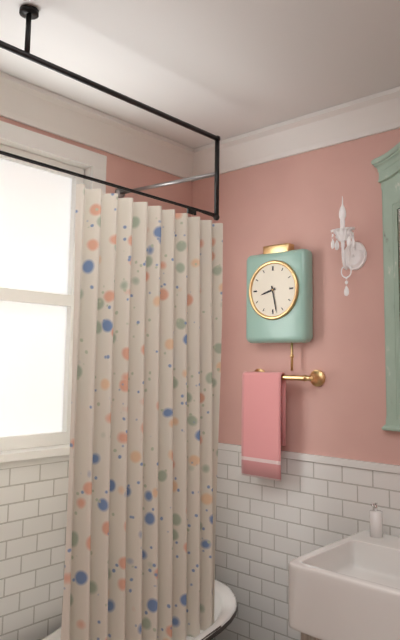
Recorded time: 8.28
